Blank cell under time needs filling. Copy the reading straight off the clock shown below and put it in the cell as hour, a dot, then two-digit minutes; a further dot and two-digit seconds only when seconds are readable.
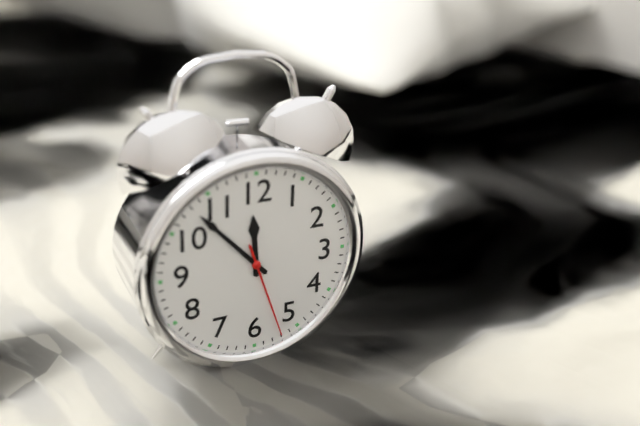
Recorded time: 11.53.27
